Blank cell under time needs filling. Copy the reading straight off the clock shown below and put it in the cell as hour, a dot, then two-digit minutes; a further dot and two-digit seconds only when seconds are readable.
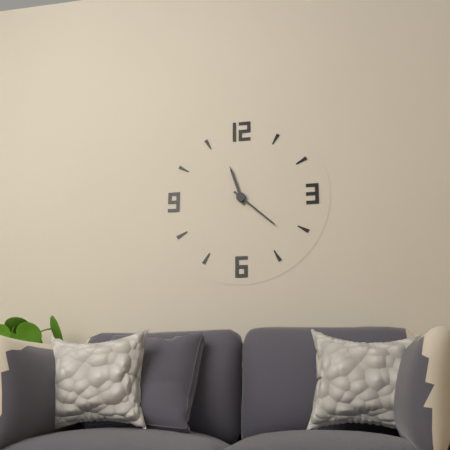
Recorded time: 11.22
